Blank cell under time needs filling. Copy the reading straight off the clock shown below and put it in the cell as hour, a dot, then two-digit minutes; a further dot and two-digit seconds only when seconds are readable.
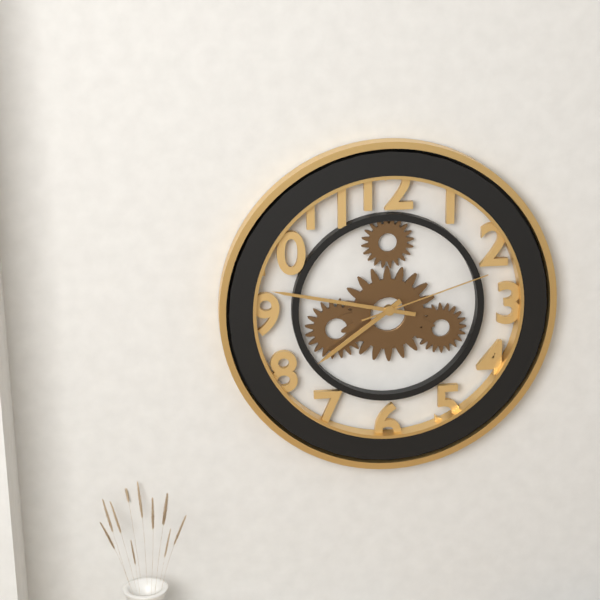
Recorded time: 7.47.12
